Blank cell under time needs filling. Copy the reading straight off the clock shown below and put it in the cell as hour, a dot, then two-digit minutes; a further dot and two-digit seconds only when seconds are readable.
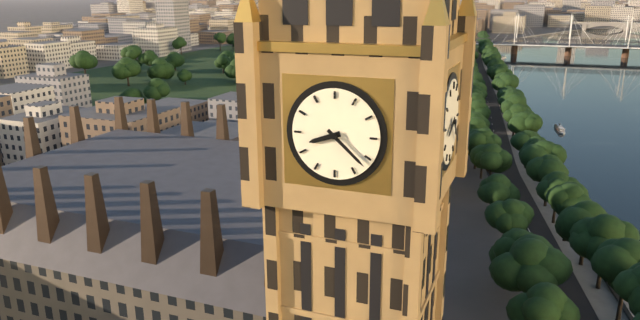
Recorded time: 8.22
